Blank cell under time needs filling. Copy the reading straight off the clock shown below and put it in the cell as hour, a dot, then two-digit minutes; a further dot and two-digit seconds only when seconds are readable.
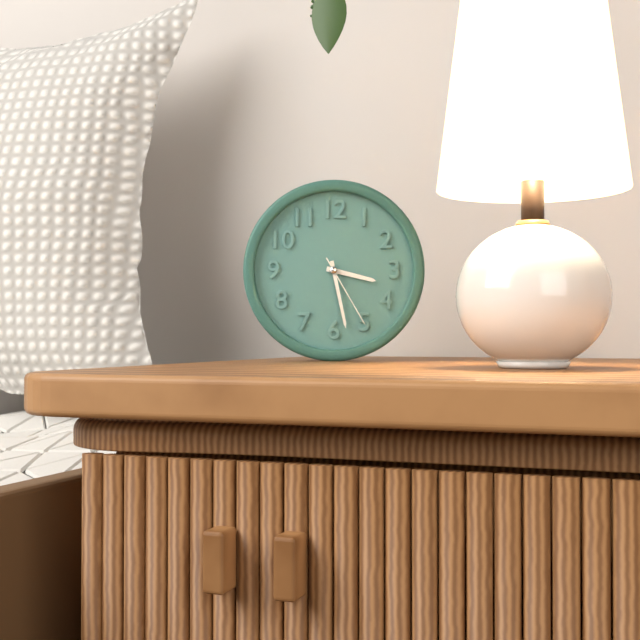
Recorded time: 3.28.25
